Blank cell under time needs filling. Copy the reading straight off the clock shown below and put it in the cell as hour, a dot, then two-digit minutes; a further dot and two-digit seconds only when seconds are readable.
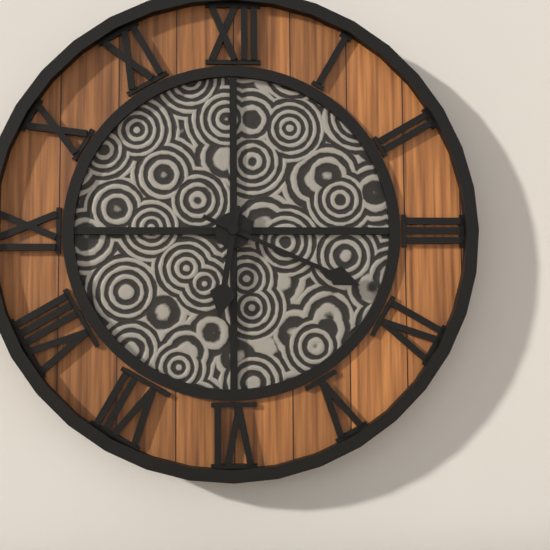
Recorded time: 6.19
